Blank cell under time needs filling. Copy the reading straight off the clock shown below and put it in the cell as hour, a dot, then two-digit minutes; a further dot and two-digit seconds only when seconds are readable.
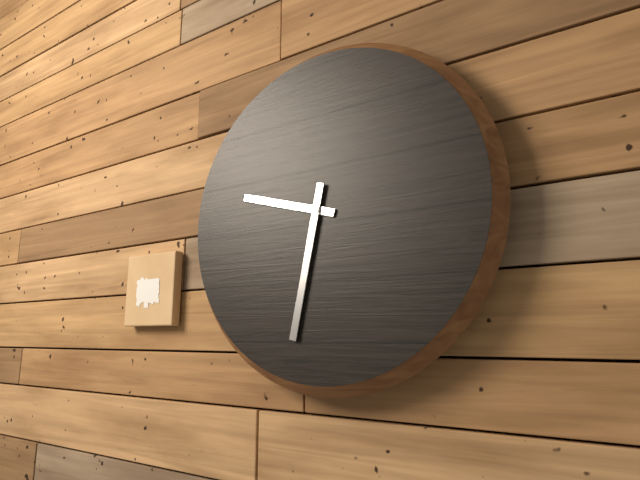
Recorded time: 9.32
